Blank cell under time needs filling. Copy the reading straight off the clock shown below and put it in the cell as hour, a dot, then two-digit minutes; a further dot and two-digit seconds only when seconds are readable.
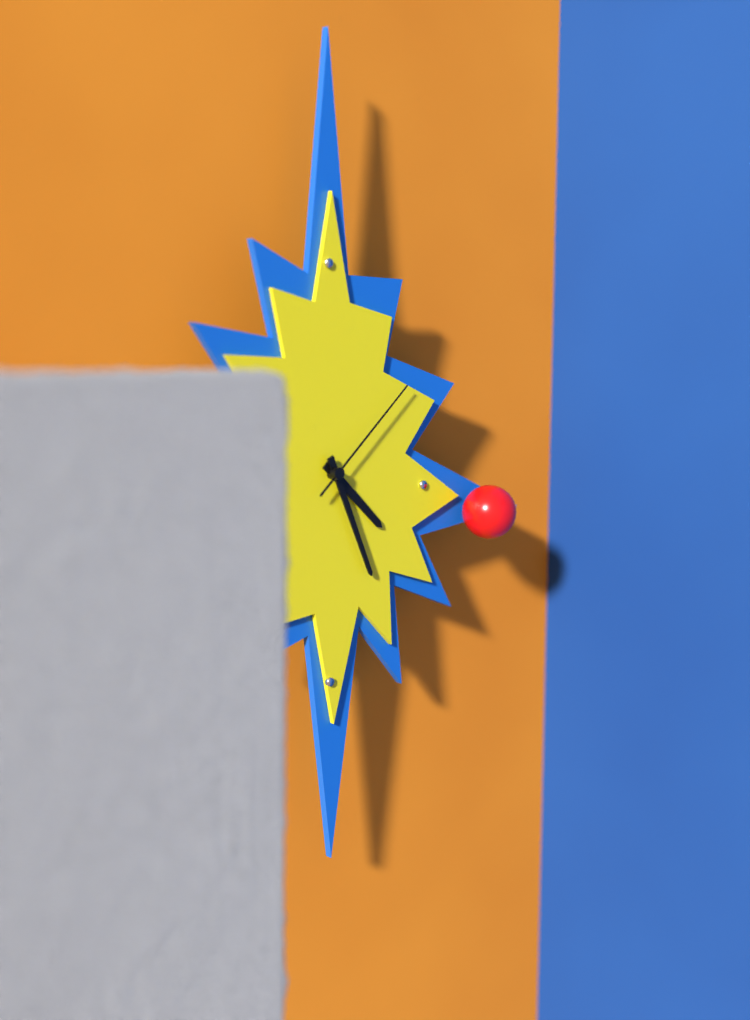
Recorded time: 4.26.08
